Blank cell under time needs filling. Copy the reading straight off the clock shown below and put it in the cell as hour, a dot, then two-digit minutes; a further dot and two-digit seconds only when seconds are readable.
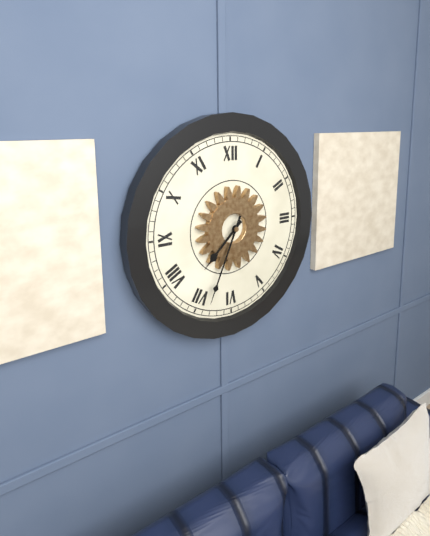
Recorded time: 7.34
